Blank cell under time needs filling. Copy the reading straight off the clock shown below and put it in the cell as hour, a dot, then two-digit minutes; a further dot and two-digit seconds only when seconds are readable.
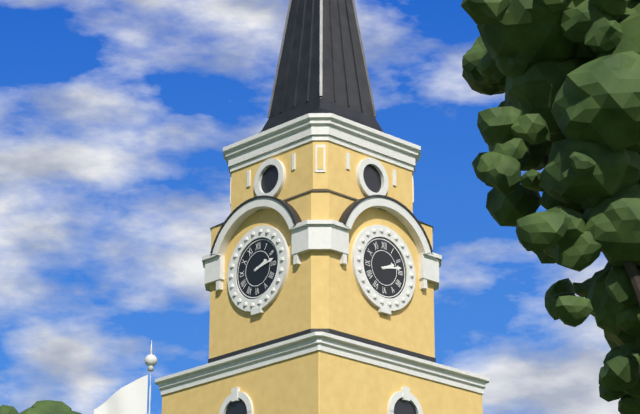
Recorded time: 2.13
